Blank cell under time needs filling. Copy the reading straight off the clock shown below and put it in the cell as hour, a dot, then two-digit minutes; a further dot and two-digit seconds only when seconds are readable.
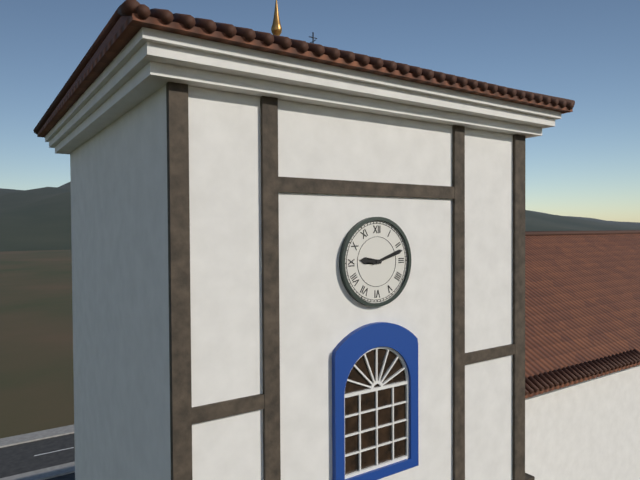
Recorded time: 9.12
